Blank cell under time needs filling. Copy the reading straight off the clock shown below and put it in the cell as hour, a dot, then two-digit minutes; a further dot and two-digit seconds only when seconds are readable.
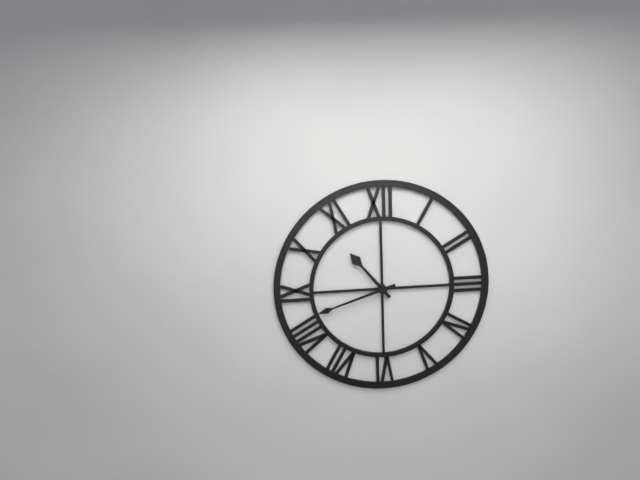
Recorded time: 10.42
